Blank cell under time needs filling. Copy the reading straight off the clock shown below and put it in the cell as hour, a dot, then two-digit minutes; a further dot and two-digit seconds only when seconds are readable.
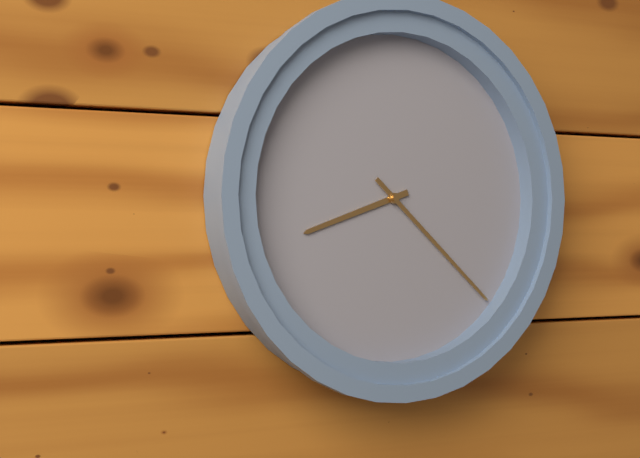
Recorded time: 8.22
